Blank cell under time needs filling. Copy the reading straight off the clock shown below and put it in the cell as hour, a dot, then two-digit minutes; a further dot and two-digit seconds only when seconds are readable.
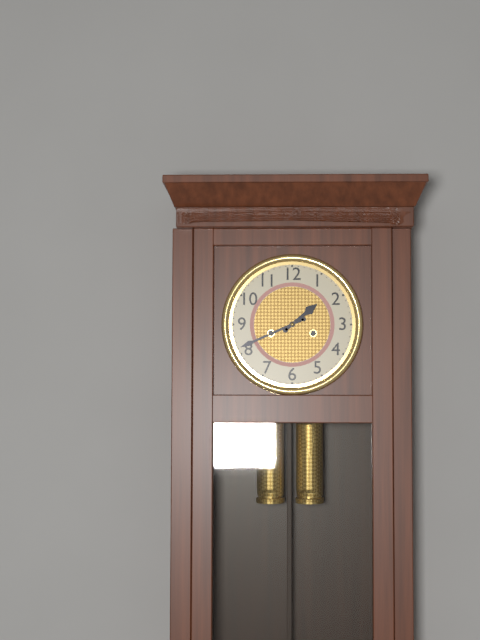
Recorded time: 1.41
